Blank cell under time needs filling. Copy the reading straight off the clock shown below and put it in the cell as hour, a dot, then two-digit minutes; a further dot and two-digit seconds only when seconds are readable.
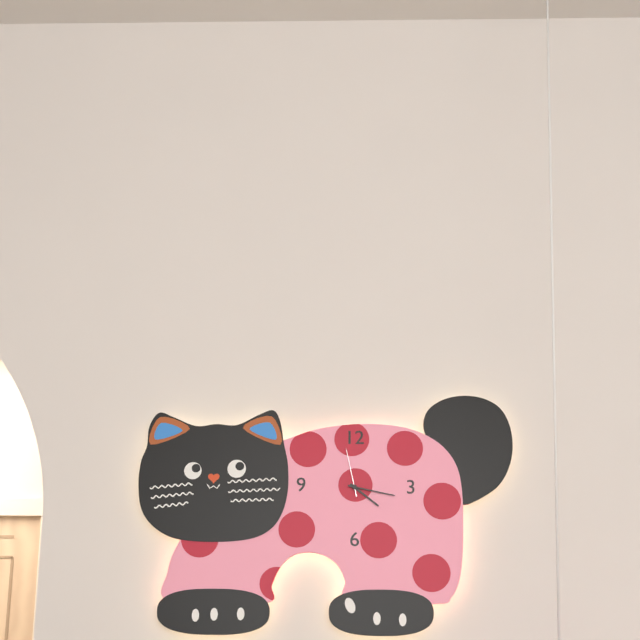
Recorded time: 4.17
